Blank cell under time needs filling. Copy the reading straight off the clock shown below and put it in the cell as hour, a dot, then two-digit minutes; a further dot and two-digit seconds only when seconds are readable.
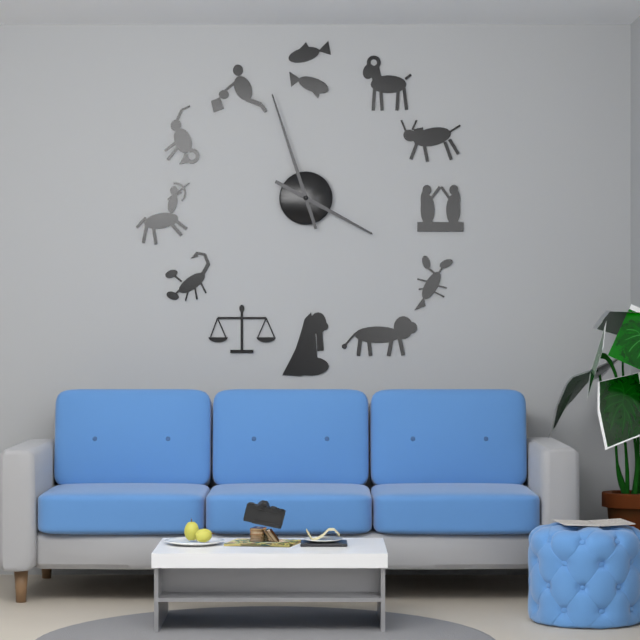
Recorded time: 3.57
